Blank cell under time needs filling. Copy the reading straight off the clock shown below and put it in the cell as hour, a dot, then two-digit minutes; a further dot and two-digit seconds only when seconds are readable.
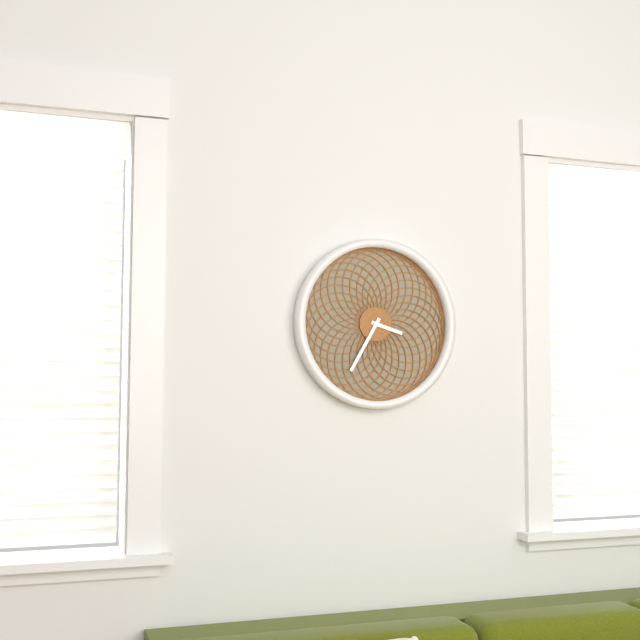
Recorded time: 3.35
